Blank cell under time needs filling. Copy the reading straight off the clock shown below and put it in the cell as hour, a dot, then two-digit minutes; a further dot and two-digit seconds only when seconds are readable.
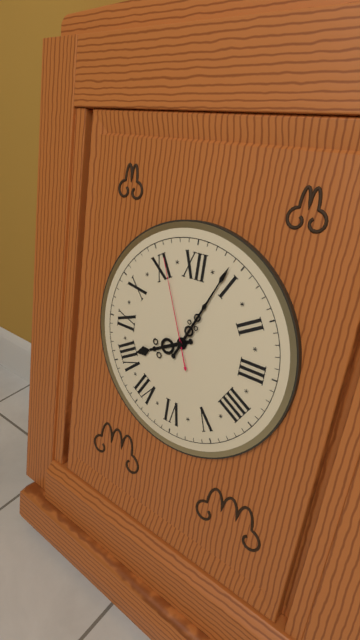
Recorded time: 8.04.56
